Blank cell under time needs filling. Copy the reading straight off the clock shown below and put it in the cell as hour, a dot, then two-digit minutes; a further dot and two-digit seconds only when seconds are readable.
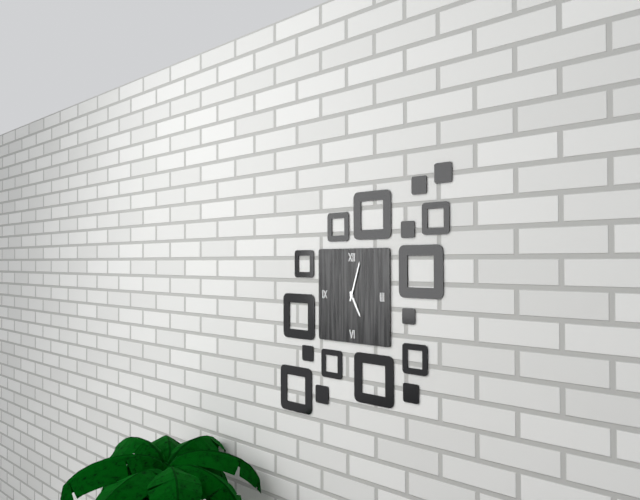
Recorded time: 5.03
